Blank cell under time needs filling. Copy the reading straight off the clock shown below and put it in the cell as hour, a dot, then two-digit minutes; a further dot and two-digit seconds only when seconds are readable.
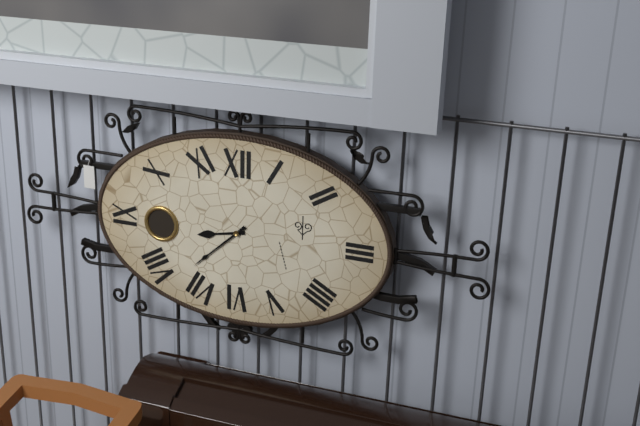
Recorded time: 8.38
